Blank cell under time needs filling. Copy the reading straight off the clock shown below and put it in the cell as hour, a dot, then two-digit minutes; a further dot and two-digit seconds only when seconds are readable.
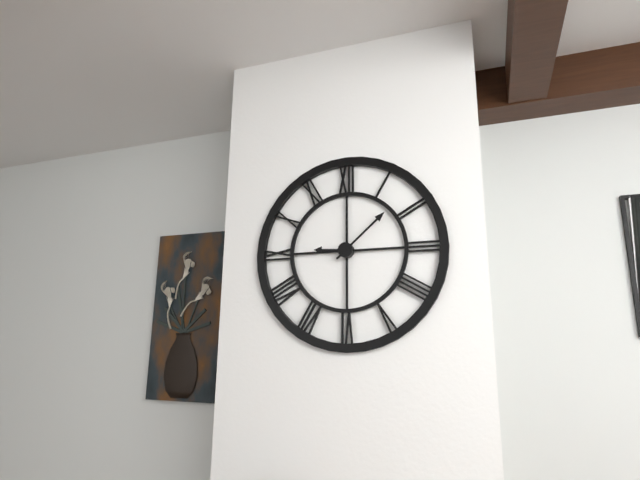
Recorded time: 9.08
